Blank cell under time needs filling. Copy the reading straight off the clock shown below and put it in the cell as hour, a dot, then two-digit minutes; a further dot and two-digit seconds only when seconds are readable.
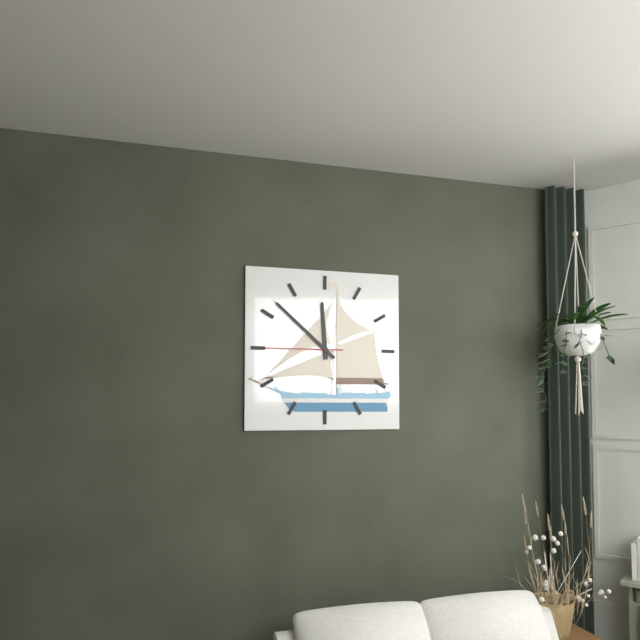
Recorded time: 11.52.45
